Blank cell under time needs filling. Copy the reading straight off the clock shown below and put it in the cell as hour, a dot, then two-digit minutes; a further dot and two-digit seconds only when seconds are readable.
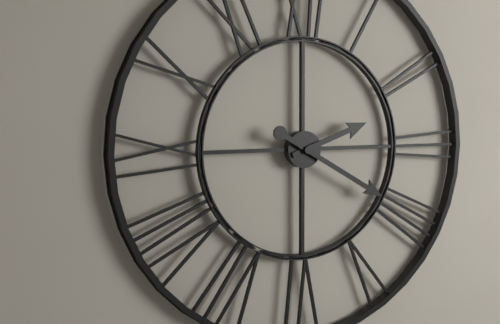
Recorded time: 2.20
